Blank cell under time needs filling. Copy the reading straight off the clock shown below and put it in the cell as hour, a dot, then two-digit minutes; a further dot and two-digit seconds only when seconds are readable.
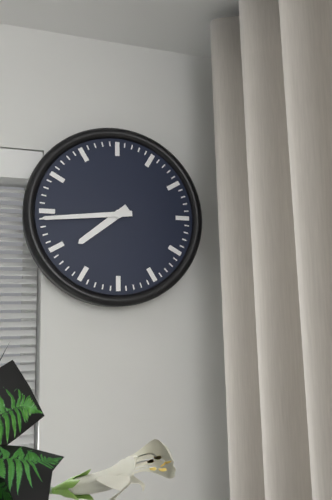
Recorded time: 7.44
